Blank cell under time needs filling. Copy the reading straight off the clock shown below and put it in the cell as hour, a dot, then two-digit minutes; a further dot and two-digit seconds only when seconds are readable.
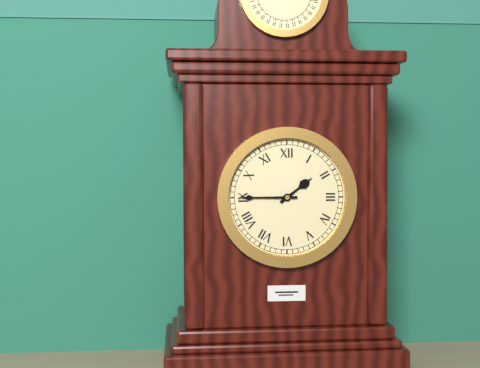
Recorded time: 1.45
